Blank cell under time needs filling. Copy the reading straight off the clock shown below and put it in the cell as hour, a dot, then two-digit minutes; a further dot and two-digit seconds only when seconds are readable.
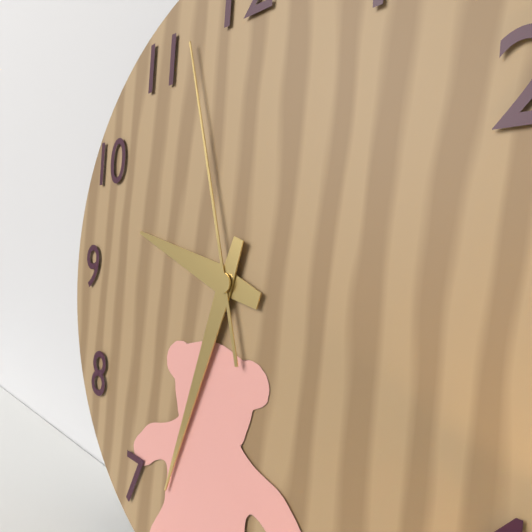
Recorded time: 9.33.57
